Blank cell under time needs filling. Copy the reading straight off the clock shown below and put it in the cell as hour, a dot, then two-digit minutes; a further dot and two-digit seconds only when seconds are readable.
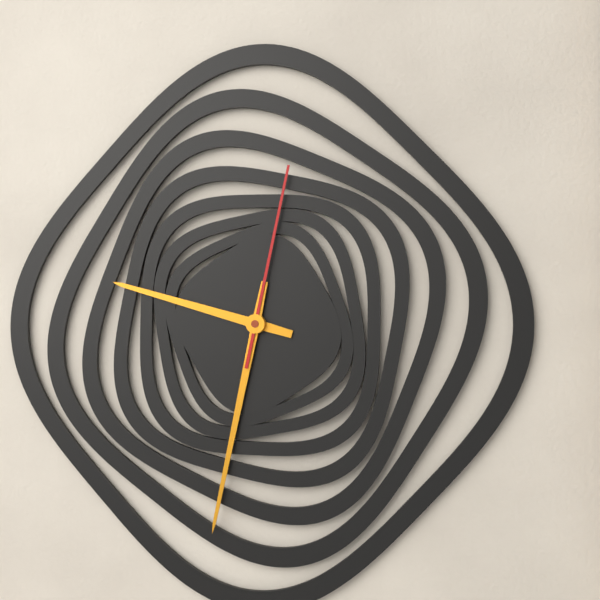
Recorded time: 9.32.02
